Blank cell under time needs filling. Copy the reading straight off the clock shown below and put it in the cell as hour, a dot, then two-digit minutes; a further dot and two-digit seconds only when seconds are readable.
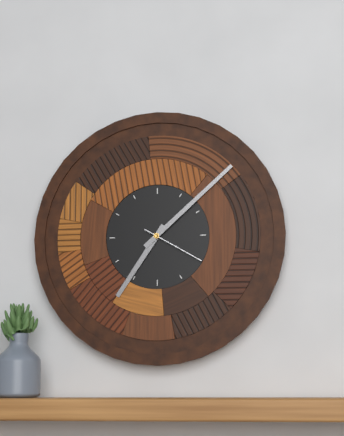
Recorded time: 7.08.20
